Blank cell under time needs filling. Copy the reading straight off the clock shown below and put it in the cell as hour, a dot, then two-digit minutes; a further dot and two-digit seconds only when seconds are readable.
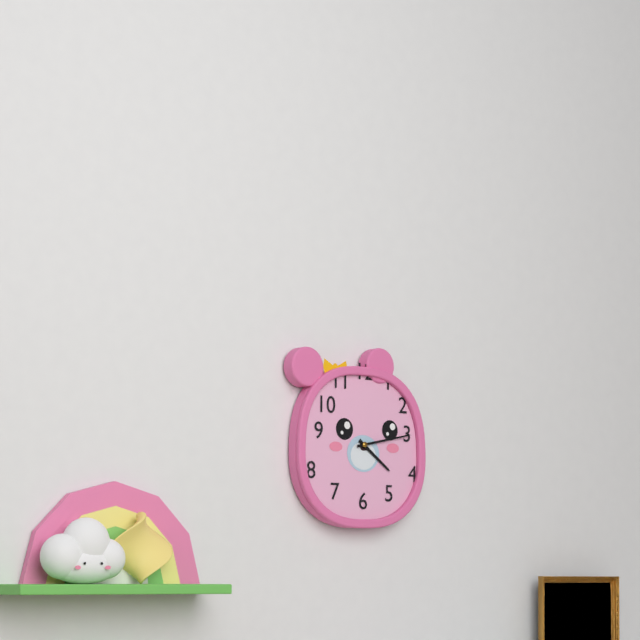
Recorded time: 4.13
